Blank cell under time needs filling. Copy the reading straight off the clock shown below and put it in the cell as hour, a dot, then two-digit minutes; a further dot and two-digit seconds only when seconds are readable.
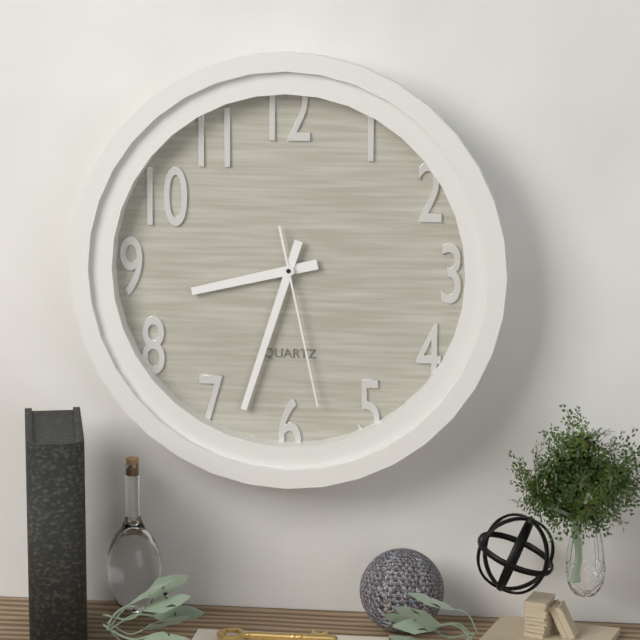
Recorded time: 8.33.28
